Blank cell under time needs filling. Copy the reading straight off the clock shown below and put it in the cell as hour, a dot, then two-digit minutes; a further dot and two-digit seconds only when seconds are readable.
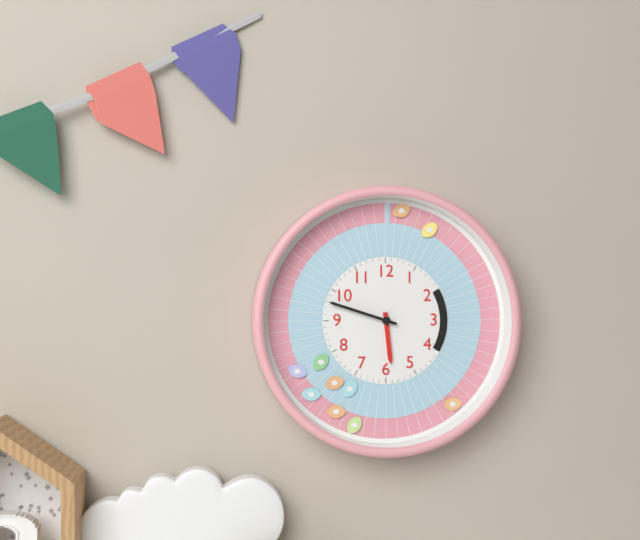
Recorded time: 5.48
